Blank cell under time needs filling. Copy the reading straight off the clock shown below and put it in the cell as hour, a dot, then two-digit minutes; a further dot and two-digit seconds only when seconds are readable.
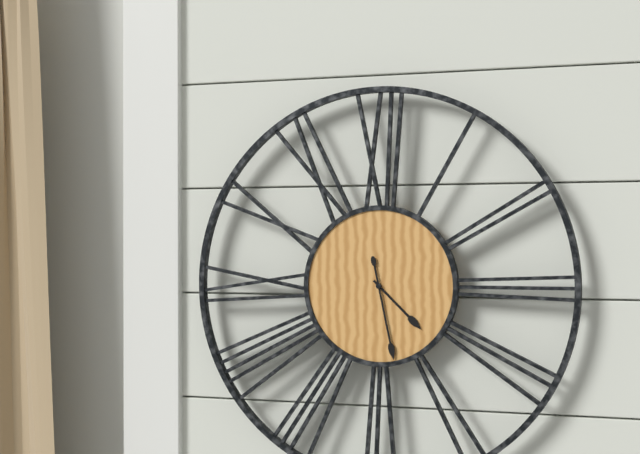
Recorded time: 4.28
